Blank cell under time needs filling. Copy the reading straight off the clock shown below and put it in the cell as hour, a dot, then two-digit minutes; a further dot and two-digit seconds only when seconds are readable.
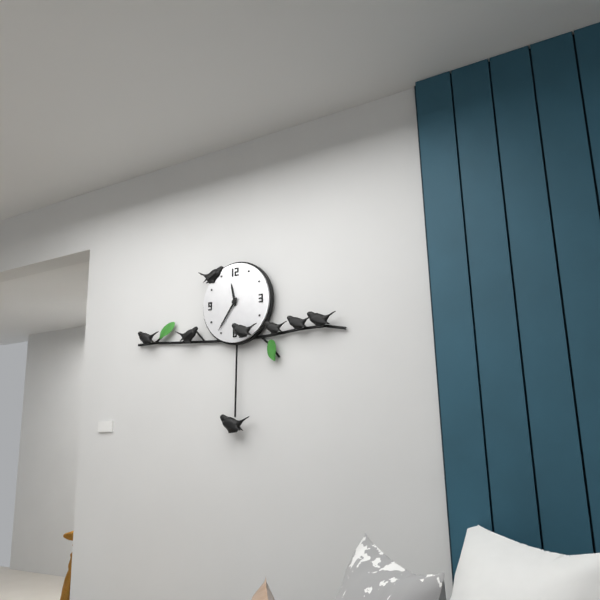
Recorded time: 11.36
